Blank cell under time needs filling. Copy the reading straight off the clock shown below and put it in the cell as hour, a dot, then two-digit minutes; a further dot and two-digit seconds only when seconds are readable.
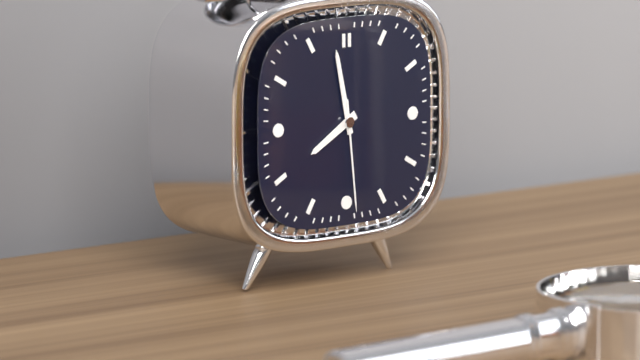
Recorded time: 7.58.29
